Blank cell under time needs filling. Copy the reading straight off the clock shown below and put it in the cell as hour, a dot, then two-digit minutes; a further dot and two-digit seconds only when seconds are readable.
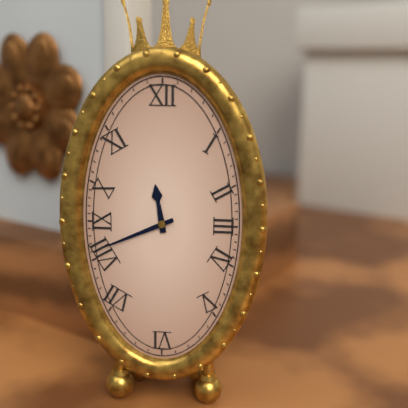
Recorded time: 11.41
